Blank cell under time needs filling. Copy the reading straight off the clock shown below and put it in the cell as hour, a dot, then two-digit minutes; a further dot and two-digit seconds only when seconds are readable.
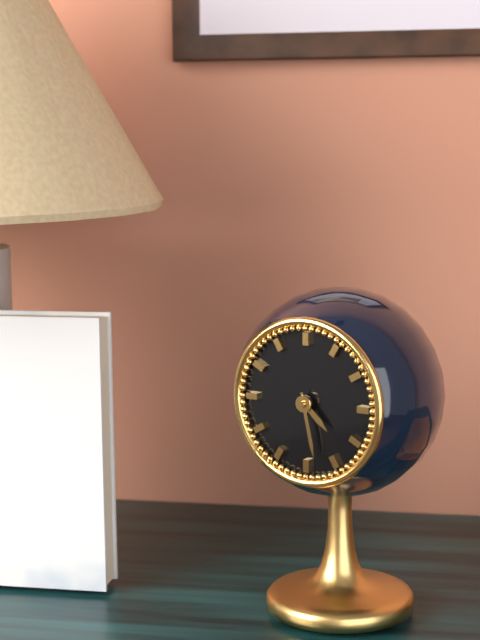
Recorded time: 4.28
